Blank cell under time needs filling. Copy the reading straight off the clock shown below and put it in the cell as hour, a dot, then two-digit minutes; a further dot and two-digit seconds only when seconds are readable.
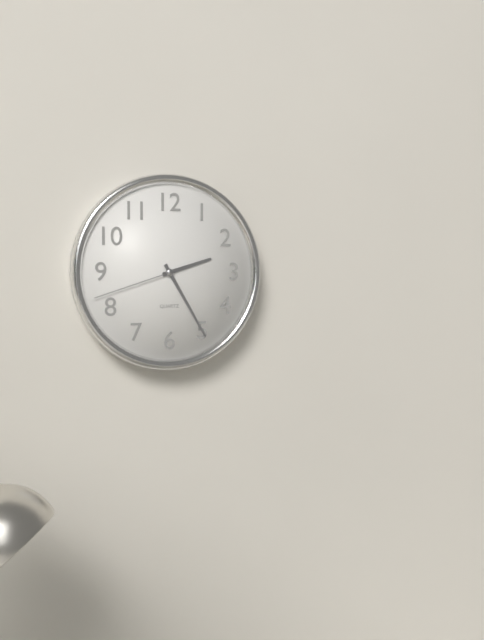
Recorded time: 2.25.42
